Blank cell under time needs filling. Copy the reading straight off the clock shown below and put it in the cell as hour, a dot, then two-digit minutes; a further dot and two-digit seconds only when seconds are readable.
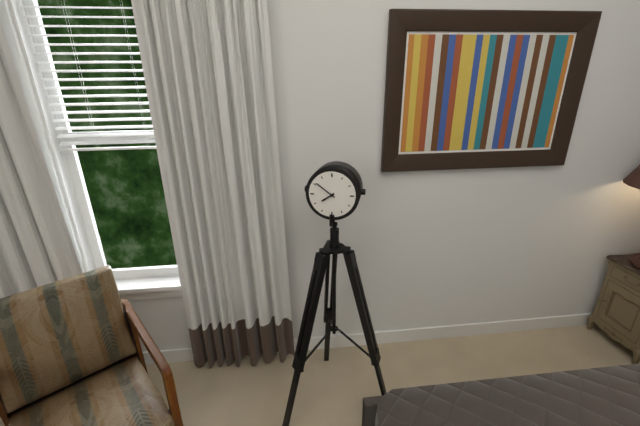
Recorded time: 7.51
